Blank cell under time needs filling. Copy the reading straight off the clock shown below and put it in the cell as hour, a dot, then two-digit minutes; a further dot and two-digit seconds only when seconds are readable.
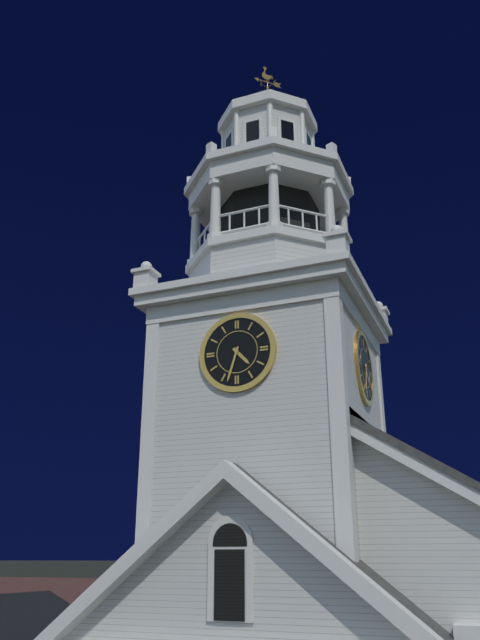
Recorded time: 4.33
